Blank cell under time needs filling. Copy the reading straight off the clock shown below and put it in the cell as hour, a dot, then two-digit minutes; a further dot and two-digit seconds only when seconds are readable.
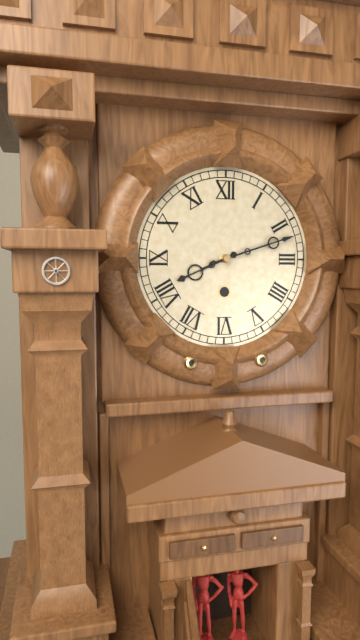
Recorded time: 8.12
